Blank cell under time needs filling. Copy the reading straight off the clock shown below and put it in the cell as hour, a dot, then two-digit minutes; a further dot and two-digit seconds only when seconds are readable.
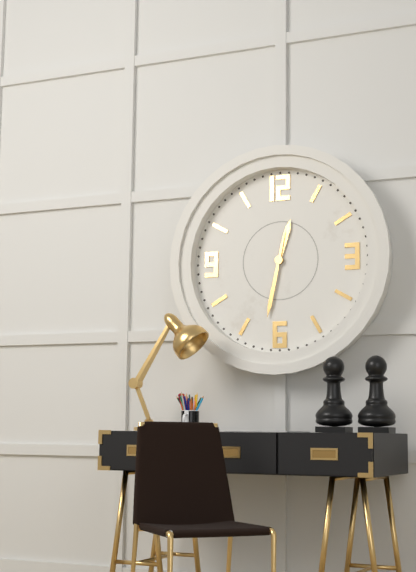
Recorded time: 12.32
